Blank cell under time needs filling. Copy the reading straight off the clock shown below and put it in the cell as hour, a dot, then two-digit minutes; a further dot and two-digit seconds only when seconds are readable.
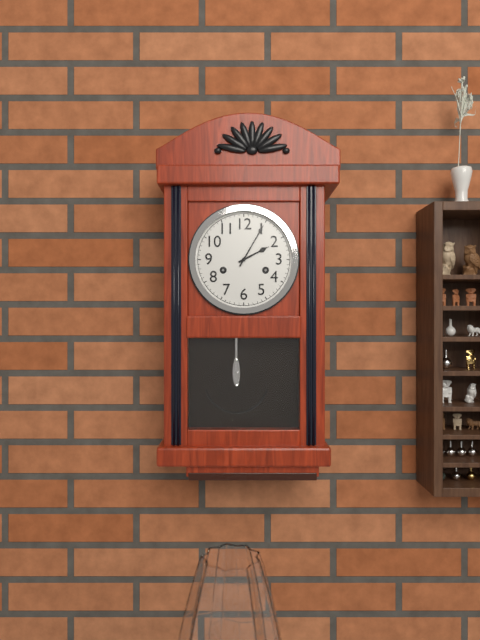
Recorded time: 2.05
